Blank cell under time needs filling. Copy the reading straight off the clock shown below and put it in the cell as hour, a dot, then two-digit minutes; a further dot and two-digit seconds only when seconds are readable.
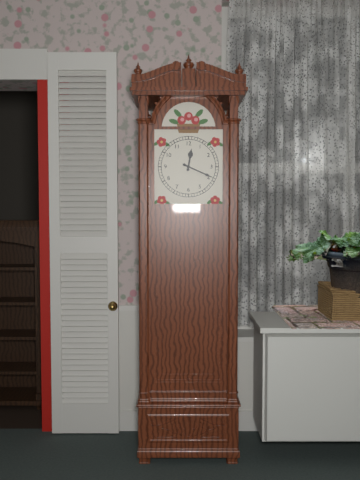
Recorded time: 12.19
